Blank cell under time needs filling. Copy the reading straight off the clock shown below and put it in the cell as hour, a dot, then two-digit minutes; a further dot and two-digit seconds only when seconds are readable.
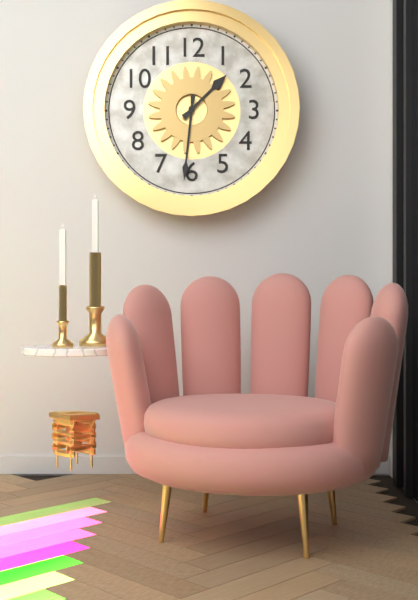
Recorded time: 1.31
